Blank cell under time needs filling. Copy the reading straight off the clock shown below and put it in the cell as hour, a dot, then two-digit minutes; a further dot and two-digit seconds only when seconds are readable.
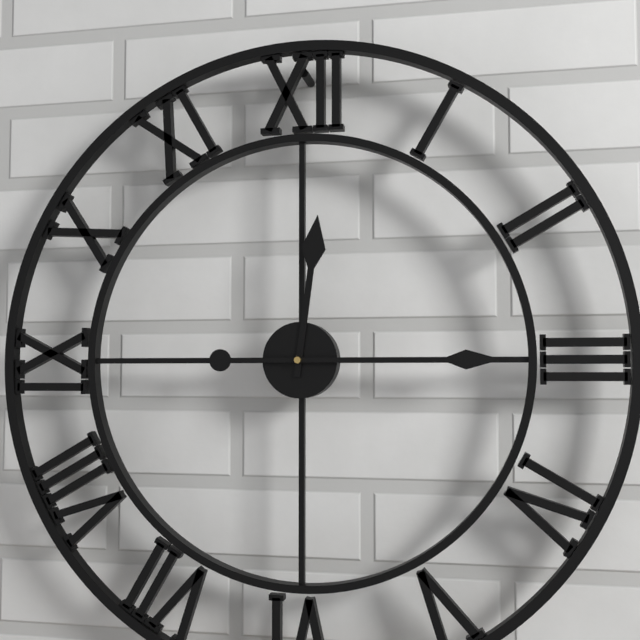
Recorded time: 12.15
